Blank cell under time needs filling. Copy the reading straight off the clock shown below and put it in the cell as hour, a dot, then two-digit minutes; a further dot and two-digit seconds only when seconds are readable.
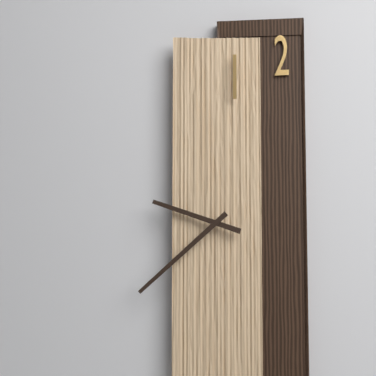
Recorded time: 9.38
